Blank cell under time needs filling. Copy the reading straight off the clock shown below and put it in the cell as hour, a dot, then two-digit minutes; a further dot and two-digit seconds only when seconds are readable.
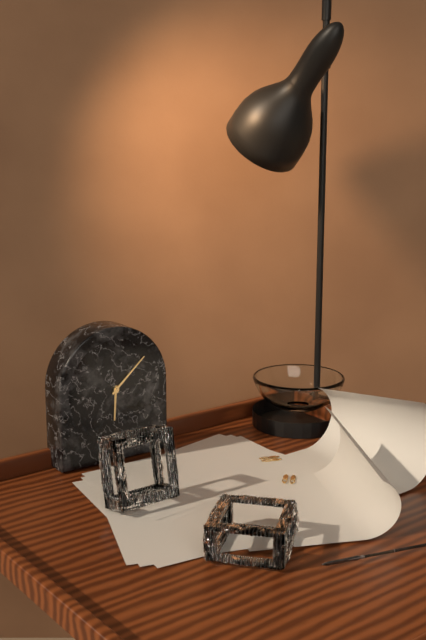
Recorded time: 6.08
